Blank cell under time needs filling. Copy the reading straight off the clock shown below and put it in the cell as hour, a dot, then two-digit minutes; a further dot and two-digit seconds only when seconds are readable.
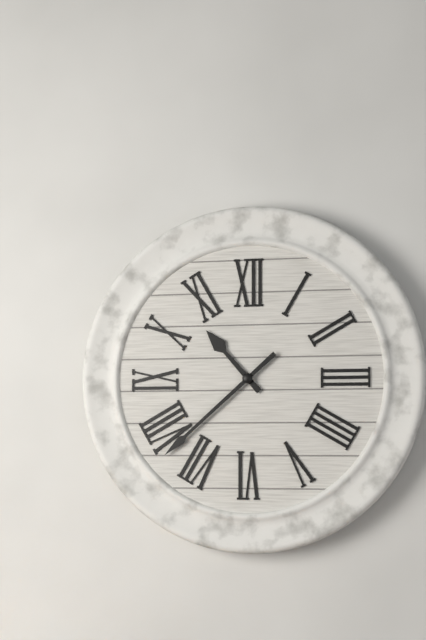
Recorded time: 10.38
